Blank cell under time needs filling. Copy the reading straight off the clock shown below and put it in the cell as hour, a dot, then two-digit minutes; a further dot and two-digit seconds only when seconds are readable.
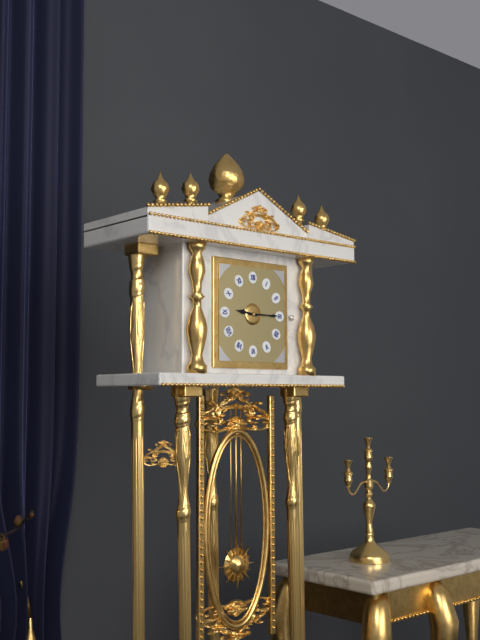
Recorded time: 9.15
